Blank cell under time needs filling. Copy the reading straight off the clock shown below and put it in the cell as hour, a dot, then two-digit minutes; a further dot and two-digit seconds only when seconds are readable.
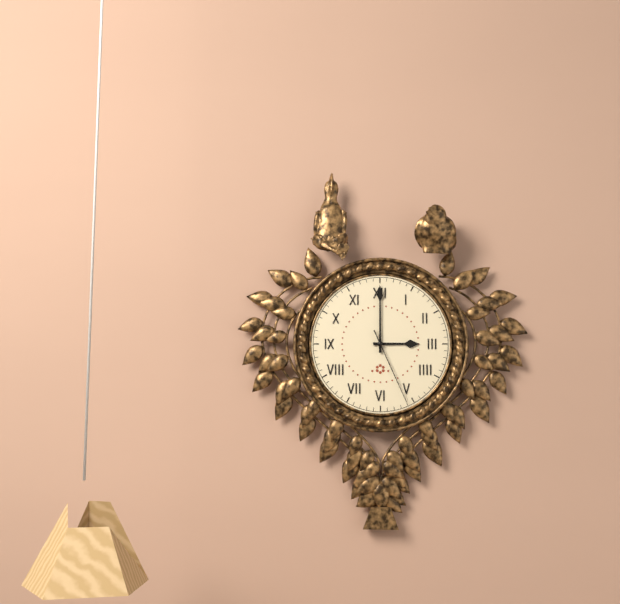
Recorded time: 3.00.26
